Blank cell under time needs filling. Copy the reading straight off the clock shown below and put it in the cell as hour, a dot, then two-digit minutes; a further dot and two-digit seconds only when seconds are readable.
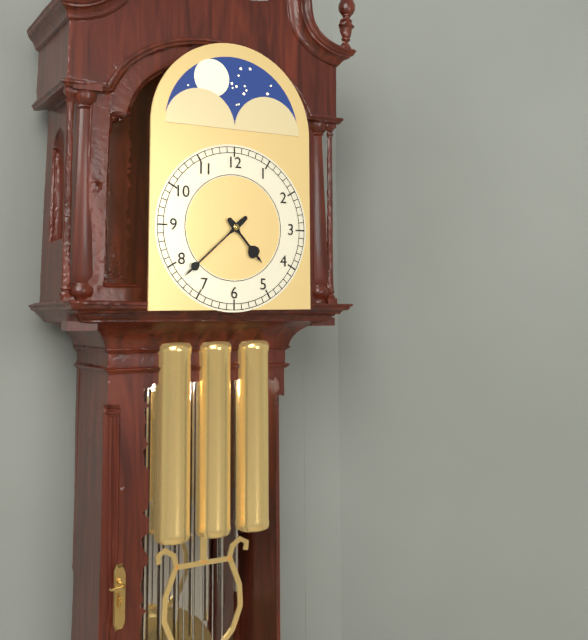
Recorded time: 4.38
